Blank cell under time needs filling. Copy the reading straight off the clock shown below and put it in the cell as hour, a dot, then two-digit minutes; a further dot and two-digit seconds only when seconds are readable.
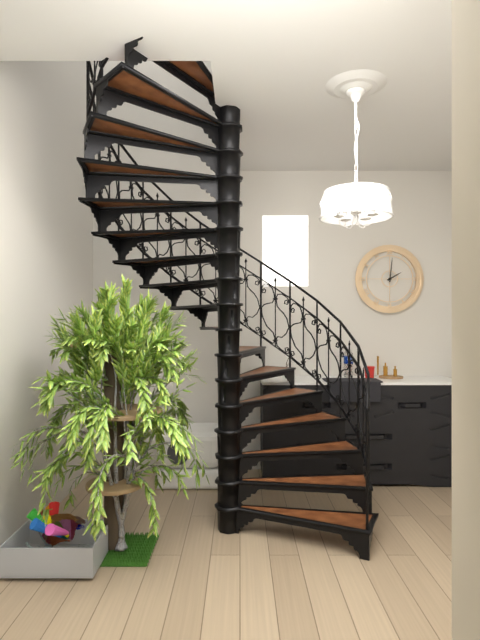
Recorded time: 2.01
